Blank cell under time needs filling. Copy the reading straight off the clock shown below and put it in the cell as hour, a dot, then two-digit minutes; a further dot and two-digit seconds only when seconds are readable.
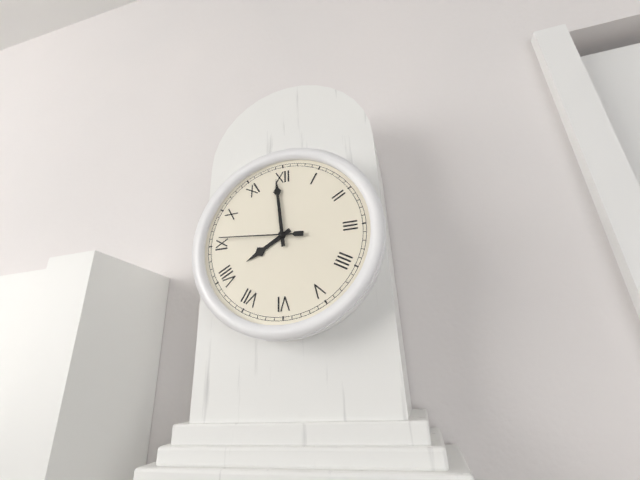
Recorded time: 7.59.46
